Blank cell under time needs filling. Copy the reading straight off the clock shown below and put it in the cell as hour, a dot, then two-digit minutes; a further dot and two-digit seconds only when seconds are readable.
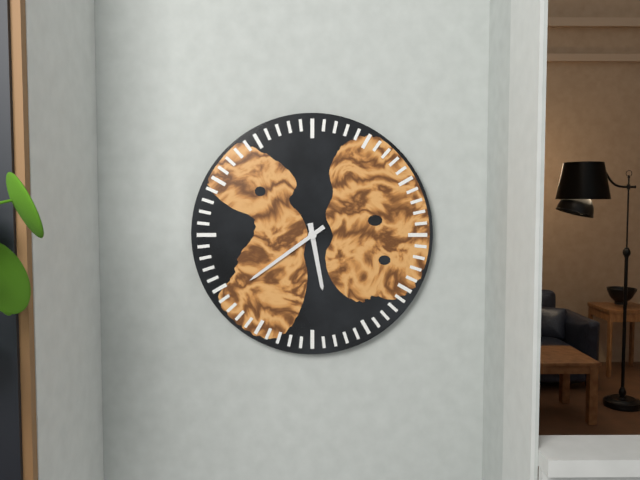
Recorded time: 5.39
